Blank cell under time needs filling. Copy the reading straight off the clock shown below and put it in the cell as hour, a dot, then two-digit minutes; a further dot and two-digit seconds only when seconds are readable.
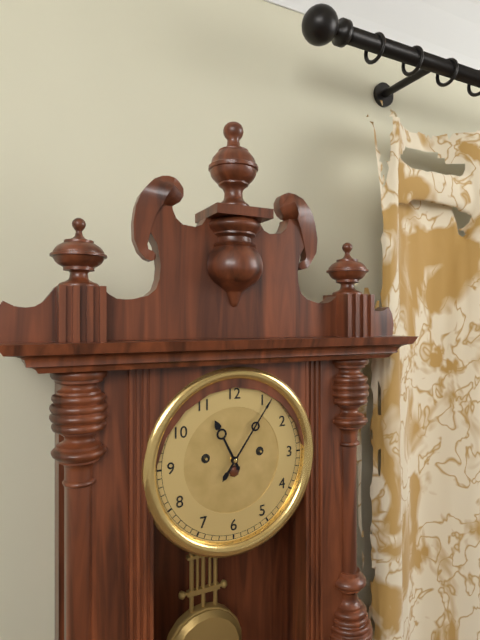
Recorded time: 11.06
